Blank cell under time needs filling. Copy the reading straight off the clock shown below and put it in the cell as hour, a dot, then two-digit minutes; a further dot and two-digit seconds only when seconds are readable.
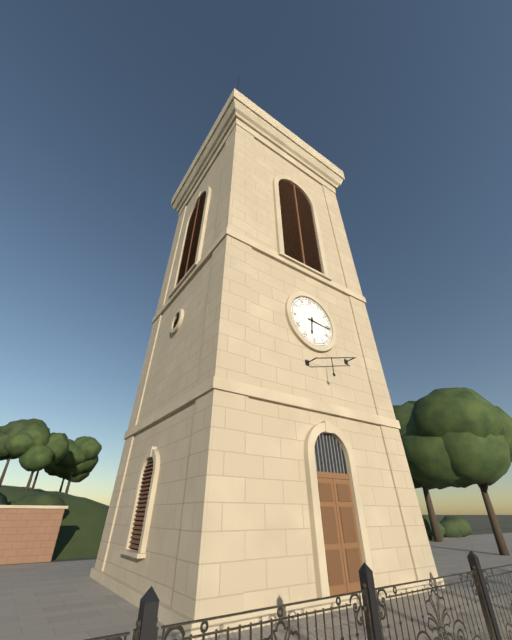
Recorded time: 6.16
